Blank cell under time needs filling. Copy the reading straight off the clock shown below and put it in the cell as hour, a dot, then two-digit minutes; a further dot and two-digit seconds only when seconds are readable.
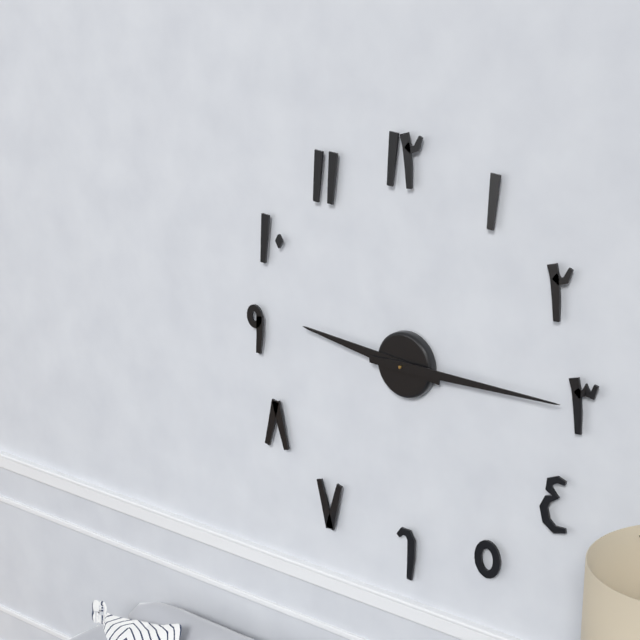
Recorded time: 9.15
